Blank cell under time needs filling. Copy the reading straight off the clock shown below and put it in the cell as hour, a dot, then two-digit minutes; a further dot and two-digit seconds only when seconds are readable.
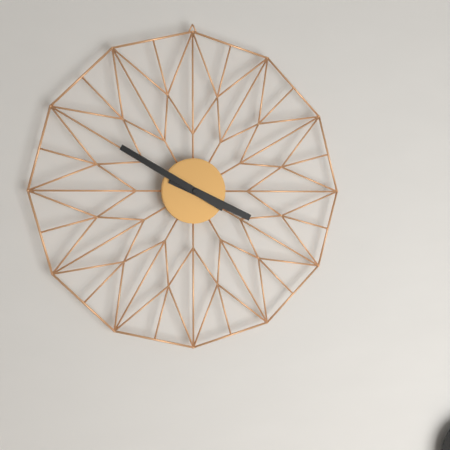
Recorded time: 3.50
